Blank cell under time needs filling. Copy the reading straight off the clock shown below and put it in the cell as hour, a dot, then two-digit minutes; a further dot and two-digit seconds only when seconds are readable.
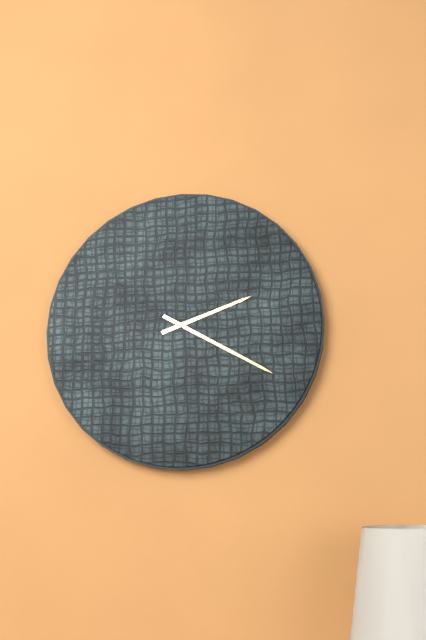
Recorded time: 2.20
